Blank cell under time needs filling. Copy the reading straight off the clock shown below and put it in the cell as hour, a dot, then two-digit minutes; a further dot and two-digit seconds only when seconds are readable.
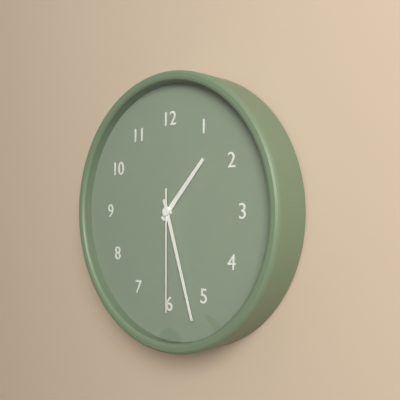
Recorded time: 1.27.30
